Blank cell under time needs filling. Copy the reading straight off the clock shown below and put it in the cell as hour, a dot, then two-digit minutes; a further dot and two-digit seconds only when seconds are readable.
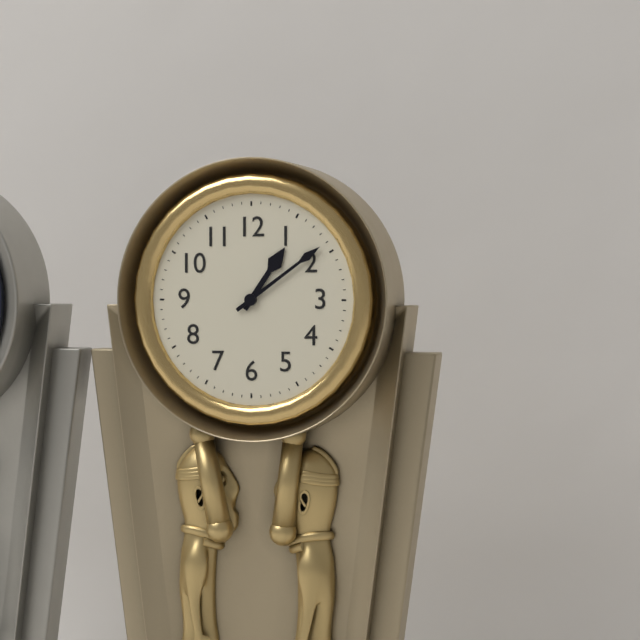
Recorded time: 1.09
